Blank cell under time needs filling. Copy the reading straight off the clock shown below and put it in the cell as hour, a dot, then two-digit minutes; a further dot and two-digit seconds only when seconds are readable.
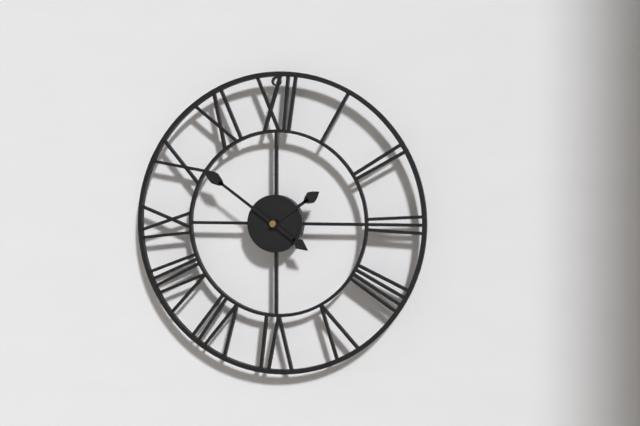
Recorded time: 1.51
